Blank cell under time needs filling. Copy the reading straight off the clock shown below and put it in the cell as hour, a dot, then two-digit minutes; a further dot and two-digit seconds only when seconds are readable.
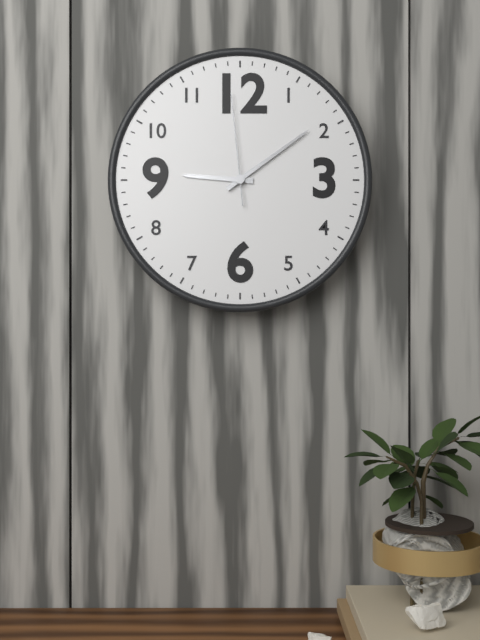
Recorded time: 9.09.59
